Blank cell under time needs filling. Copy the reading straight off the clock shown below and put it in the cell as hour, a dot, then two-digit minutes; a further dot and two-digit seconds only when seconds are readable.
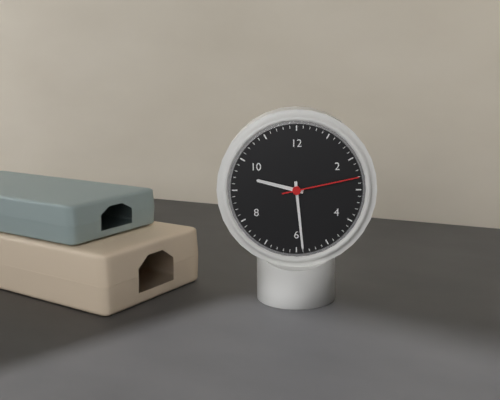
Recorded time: 9.29.13
